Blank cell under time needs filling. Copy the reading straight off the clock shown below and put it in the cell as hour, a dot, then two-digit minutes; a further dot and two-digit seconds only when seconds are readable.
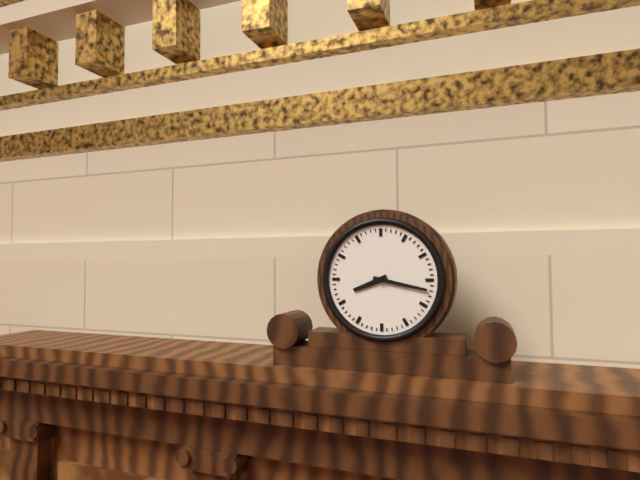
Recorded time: 8.17
